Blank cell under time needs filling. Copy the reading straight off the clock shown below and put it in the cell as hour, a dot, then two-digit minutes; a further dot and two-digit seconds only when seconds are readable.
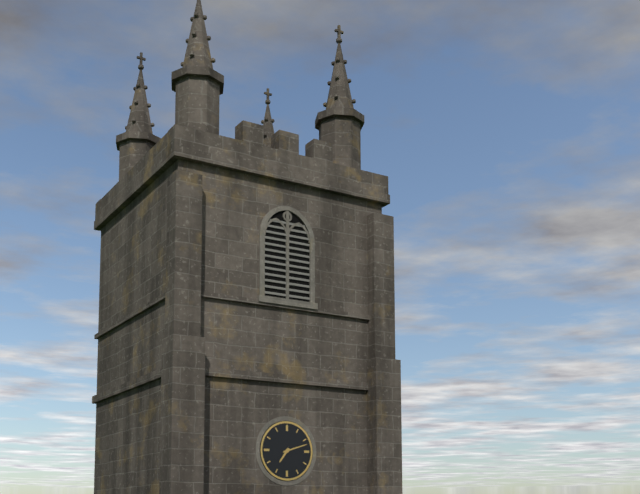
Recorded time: 7.12
